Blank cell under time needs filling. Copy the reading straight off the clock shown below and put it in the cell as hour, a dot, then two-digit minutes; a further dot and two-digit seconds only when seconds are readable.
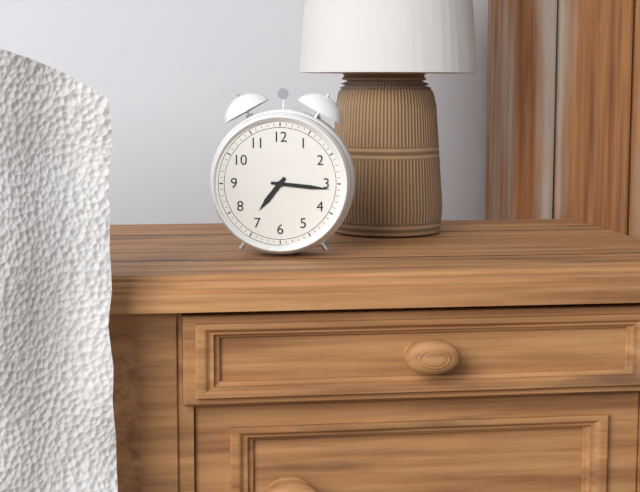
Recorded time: 7.16
